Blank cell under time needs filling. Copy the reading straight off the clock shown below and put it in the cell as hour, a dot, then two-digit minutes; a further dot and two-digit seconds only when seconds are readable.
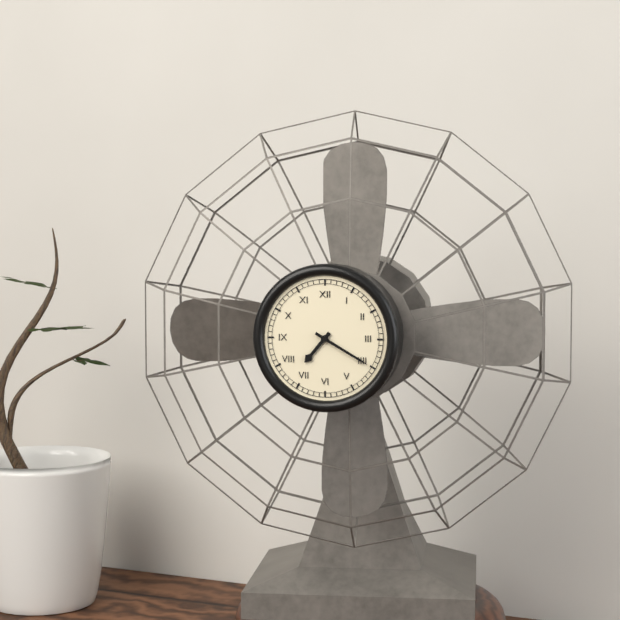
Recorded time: 7.20
